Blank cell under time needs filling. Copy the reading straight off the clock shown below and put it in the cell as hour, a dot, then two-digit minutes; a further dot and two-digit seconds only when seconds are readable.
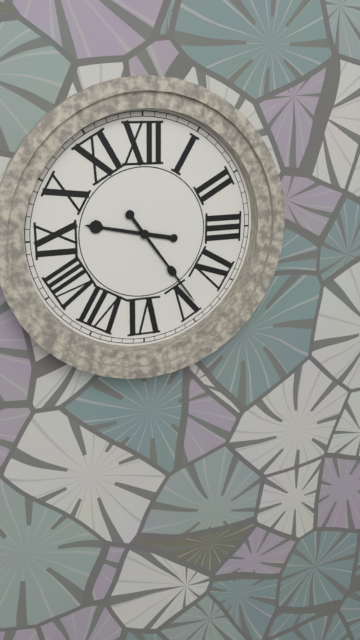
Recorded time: 9.24
